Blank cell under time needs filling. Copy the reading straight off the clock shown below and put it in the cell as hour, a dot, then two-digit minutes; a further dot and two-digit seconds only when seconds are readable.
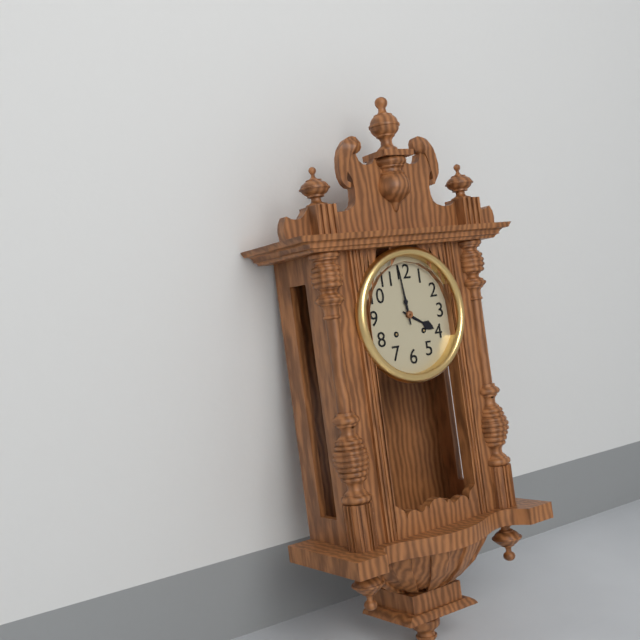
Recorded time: 3.59
